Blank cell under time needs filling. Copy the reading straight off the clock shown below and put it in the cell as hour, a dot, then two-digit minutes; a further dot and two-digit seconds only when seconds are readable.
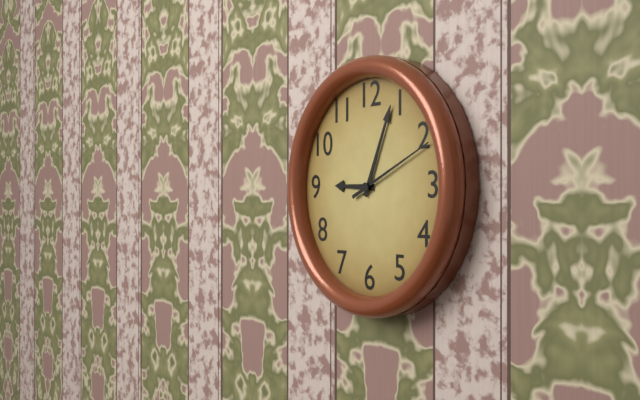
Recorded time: 9.04.11
